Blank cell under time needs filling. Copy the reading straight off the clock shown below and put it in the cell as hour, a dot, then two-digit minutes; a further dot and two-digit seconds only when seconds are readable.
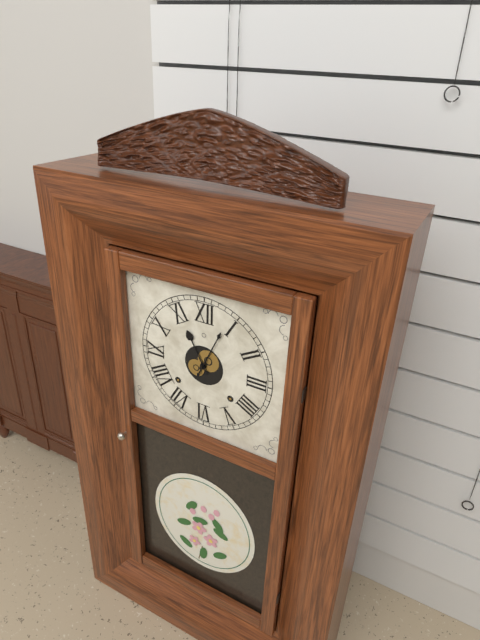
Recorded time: 11.04
